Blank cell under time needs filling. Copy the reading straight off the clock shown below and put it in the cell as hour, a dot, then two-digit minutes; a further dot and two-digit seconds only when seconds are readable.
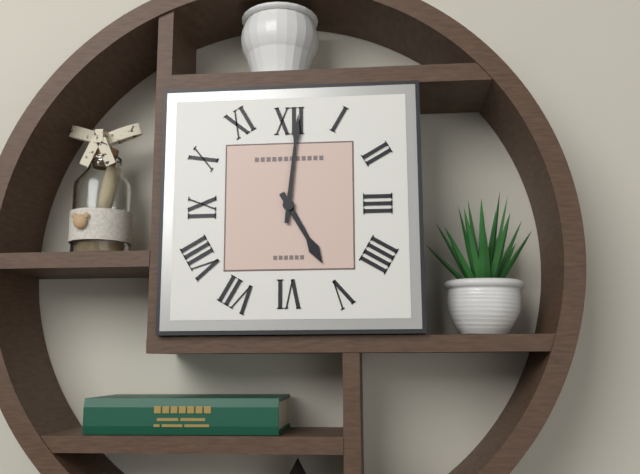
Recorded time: 5.01
